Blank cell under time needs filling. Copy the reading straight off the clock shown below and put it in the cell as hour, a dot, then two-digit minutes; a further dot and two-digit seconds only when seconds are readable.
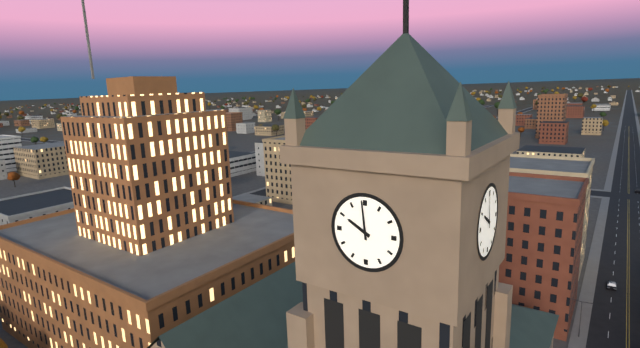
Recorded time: 9.59
